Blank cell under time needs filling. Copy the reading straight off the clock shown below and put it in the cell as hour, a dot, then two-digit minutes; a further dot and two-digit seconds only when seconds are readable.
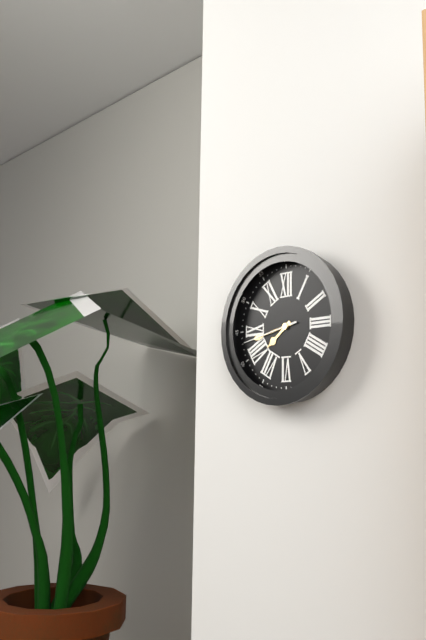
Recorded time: 7.43.43
